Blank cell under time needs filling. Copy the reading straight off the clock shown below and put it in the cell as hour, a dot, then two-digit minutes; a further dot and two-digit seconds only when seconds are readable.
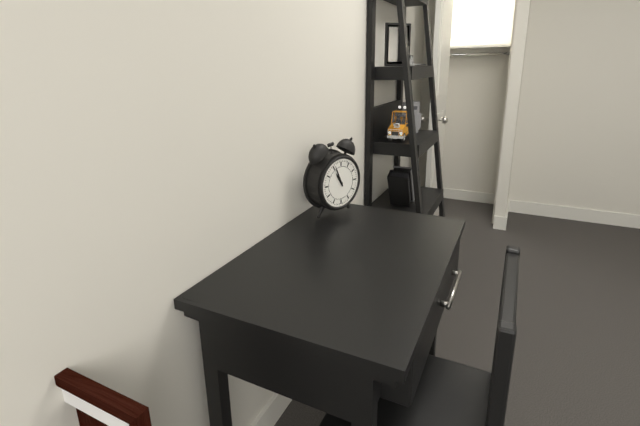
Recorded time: 10.56
